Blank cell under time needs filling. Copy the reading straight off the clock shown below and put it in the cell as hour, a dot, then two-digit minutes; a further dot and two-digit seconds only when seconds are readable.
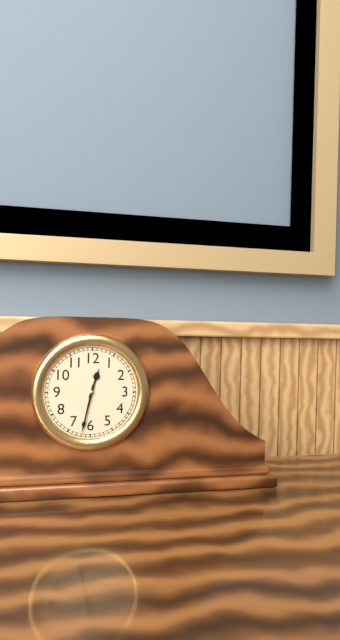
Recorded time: 12.32
